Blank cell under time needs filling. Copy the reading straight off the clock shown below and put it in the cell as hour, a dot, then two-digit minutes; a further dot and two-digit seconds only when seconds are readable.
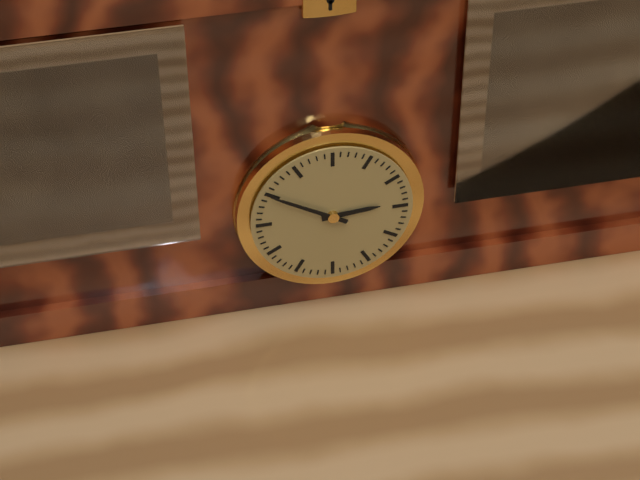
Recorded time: 2.50
